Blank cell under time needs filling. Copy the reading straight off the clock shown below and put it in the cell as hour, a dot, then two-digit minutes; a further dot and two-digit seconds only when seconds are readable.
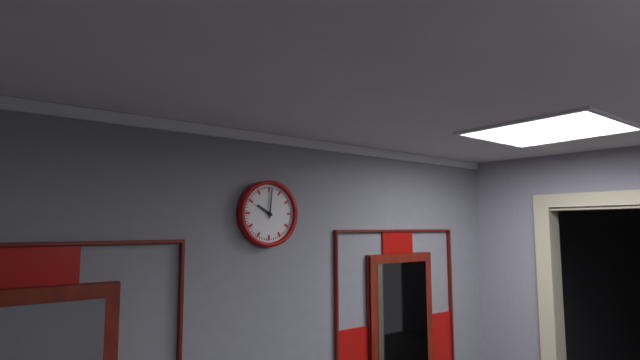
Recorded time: 10.01
